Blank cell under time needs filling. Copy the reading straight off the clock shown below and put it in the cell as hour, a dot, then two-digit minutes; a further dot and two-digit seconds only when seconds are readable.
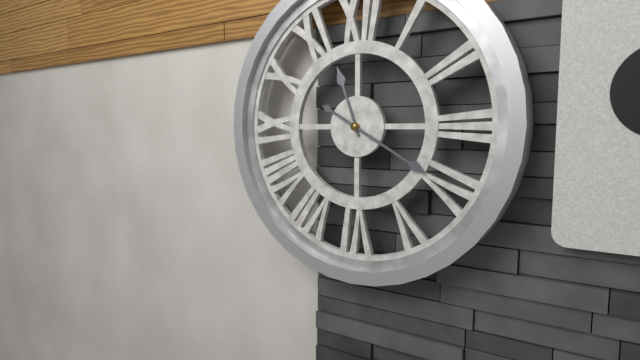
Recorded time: 11.20
